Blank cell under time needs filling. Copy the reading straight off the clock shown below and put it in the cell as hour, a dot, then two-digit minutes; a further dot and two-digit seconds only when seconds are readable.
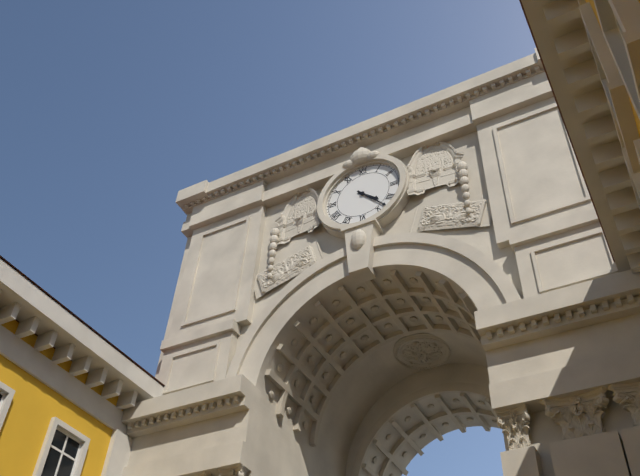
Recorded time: 4.23
